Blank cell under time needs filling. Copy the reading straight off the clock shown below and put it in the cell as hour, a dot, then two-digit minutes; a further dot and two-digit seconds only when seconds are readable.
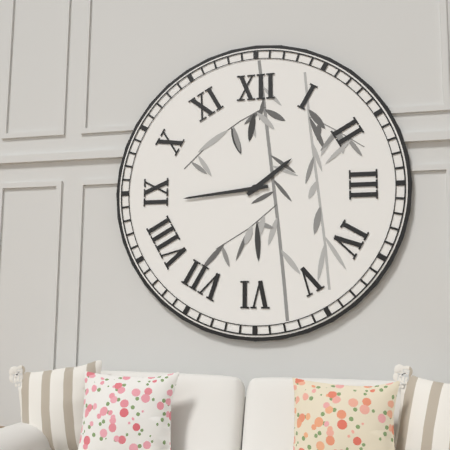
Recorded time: 1.44
